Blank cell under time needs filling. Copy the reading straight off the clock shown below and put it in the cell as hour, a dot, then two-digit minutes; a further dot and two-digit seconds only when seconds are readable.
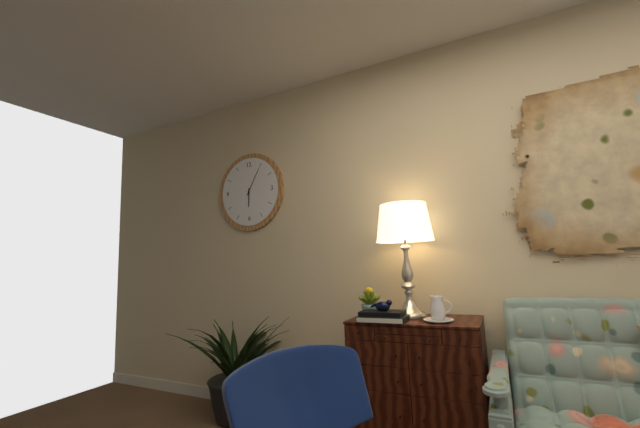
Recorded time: 6.05
